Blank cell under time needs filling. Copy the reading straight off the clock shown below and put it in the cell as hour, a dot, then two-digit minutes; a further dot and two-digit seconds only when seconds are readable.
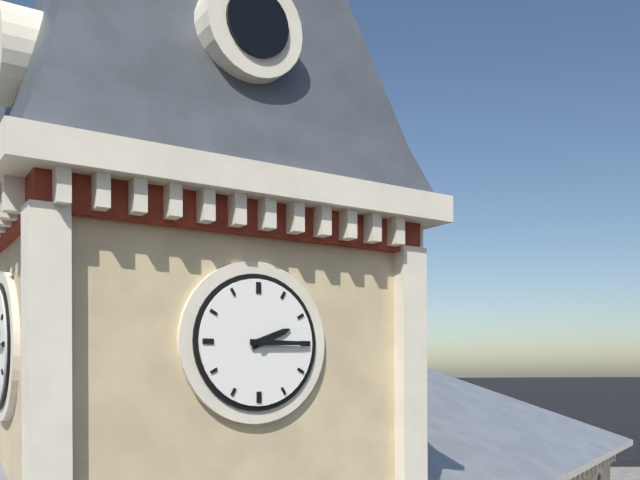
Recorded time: 2.15
